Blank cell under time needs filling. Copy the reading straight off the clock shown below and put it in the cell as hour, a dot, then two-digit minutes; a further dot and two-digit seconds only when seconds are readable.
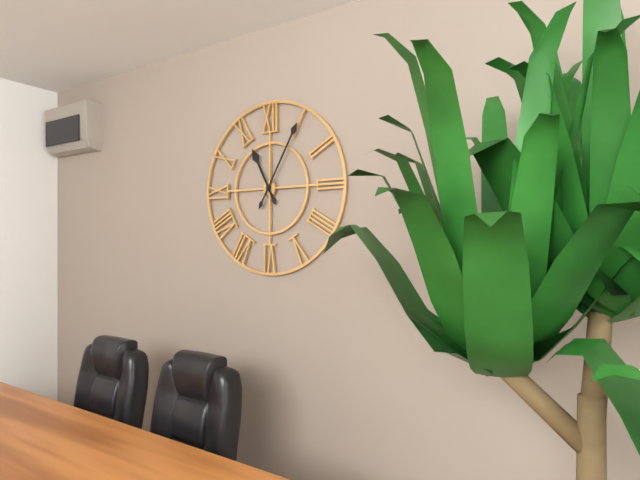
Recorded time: 11.05
